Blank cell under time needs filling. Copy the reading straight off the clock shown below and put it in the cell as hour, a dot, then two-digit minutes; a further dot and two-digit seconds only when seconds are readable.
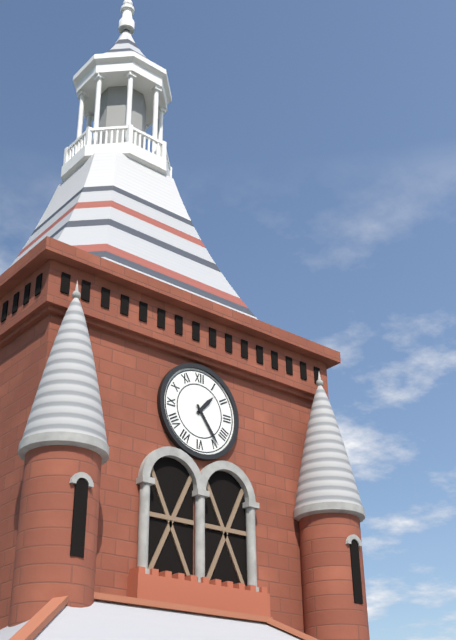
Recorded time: 1.24
